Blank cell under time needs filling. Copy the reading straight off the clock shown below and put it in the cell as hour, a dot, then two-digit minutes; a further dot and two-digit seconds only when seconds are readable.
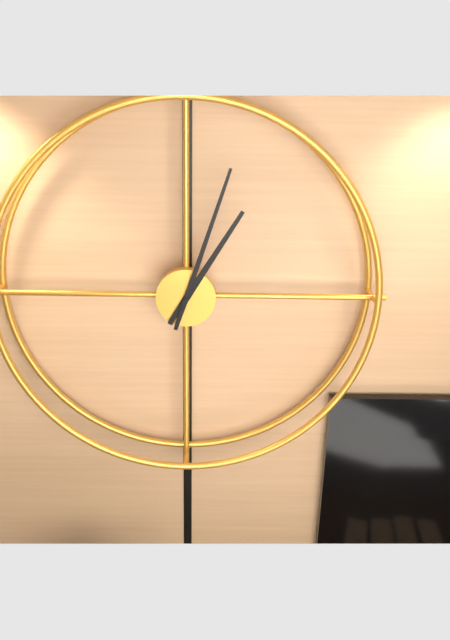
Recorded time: 1.03
